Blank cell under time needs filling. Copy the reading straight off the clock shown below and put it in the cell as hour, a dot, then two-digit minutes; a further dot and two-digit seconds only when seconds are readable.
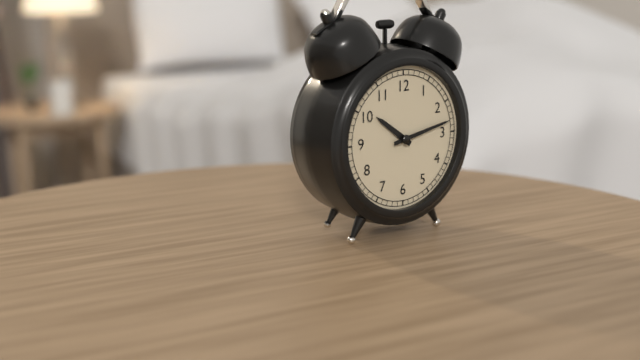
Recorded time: 10.13
